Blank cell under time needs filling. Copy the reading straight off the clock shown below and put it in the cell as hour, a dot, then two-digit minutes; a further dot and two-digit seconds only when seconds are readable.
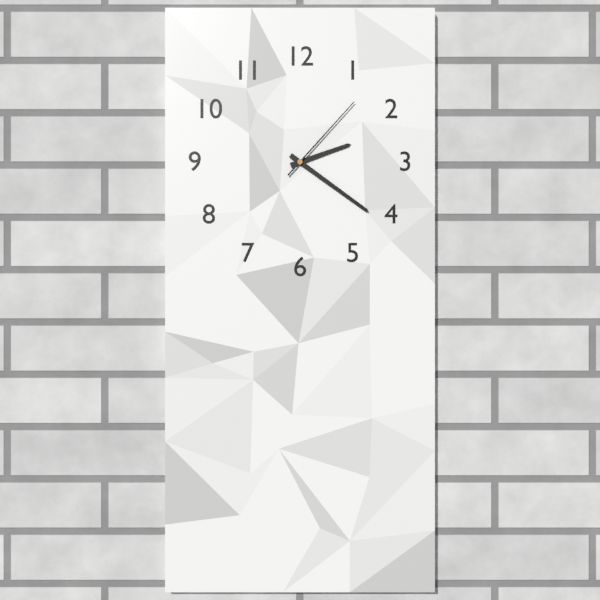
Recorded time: 2.21.07
